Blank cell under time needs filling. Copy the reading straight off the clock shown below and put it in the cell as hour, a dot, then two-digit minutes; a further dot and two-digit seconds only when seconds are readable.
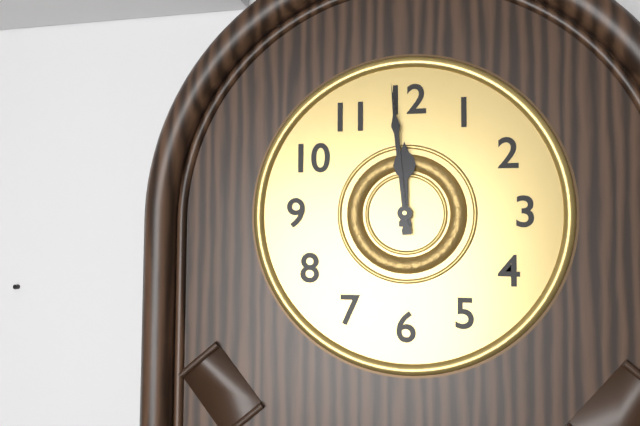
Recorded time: 11.59
